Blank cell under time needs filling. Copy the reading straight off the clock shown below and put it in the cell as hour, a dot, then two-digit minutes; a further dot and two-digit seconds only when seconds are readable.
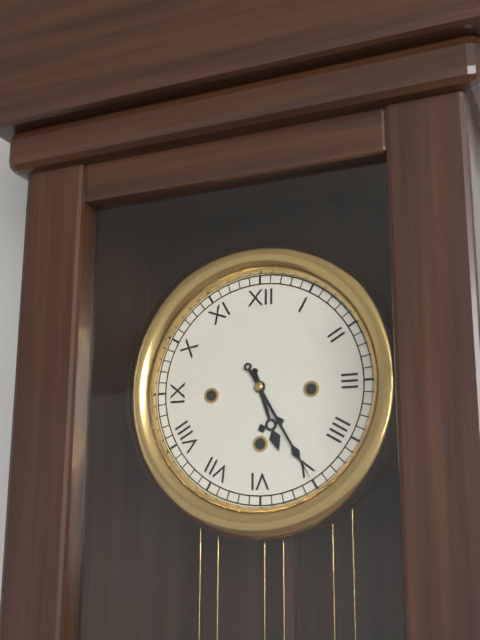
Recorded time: 5.25
